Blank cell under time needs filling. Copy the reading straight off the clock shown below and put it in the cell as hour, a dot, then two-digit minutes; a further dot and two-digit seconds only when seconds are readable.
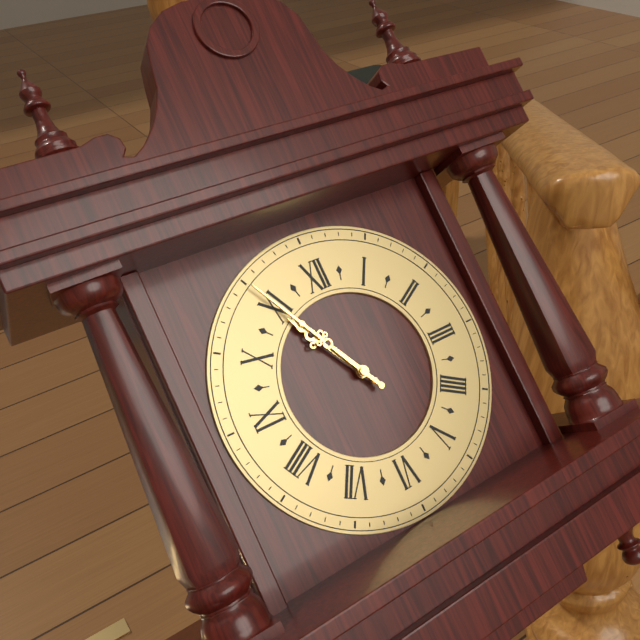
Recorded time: 10.55
